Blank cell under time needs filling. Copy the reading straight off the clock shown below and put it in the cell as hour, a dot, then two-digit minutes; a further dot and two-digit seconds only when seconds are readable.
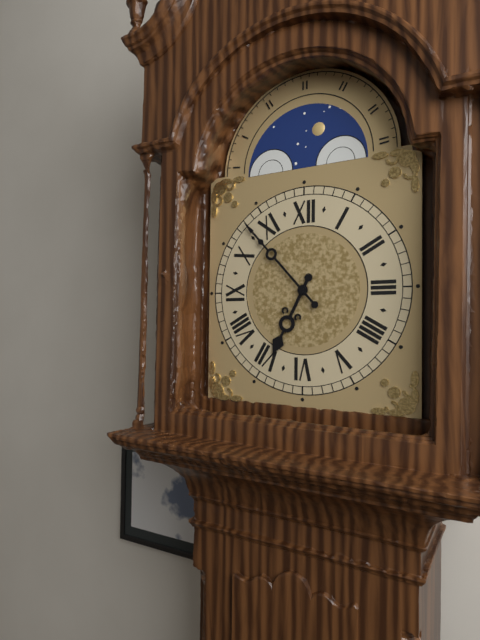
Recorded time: 6.53
